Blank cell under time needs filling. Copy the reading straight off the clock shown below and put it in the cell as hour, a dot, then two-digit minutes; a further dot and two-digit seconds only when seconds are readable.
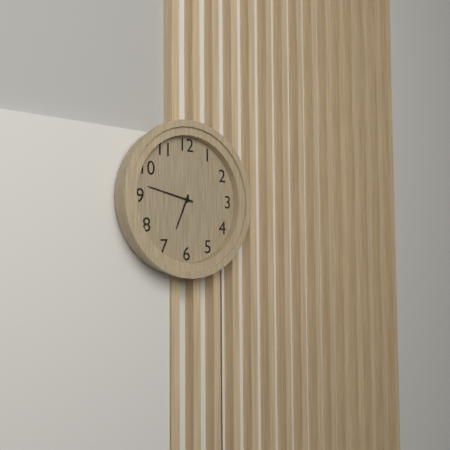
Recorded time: 6.47
